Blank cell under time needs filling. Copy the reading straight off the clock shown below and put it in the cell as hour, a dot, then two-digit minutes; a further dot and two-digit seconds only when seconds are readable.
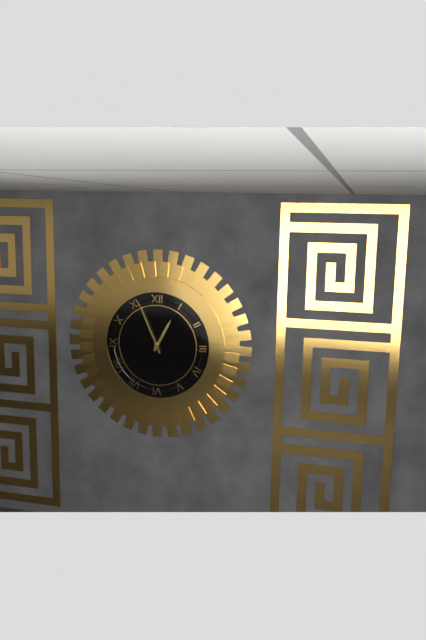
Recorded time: 12.56
